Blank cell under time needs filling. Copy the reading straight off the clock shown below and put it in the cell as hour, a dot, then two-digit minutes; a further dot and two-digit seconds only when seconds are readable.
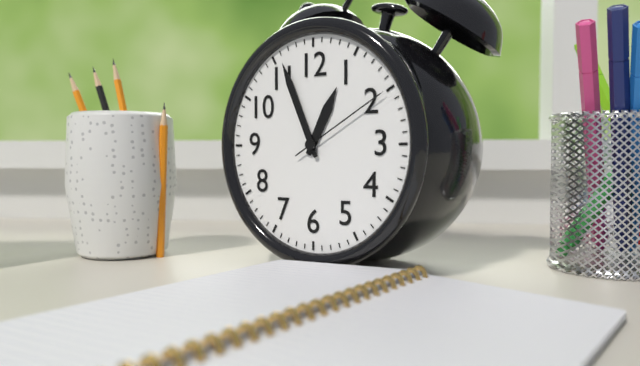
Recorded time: 12.56.10
